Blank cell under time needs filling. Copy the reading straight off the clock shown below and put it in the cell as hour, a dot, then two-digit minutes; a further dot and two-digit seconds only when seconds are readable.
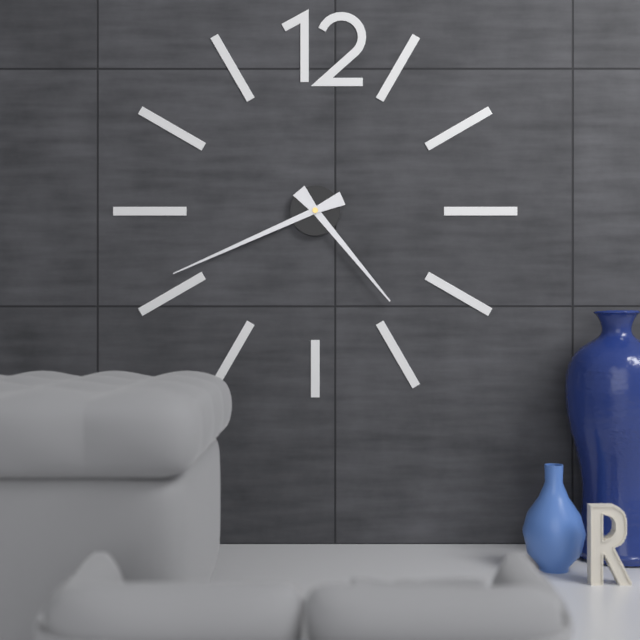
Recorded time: 4.41
